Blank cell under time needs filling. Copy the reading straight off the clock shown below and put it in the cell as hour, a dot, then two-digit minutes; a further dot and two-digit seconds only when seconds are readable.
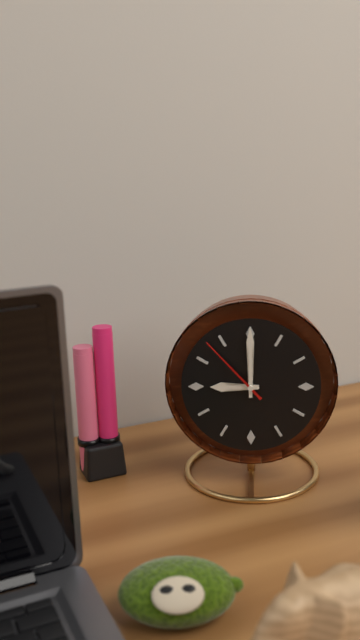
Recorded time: 9.00.53
